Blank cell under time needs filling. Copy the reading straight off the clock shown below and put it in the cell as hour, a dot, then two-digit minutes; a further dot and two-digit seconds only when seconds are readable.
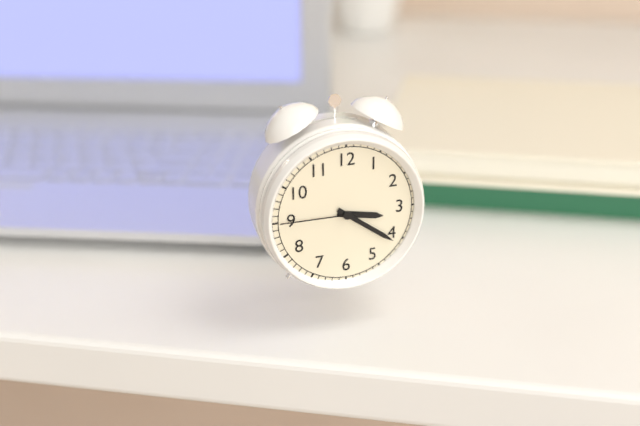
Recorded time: 3.21.45
